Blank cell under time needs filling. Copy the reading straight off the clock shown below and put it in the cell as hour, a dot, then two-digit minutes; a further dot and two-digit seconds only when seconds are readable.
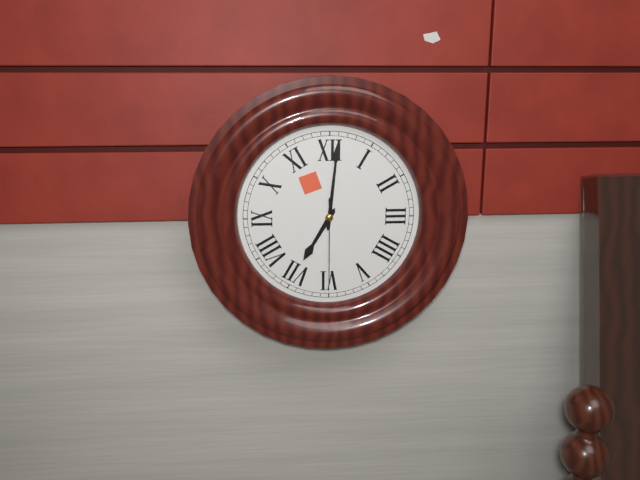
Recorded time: 7.01.30
